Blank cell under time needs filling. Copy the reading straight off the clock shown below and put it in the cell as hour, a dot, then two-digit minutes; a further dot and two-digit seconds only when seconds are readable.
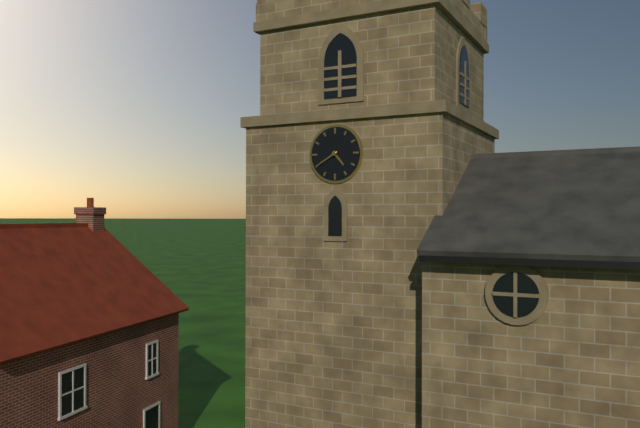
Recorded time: 4.40
